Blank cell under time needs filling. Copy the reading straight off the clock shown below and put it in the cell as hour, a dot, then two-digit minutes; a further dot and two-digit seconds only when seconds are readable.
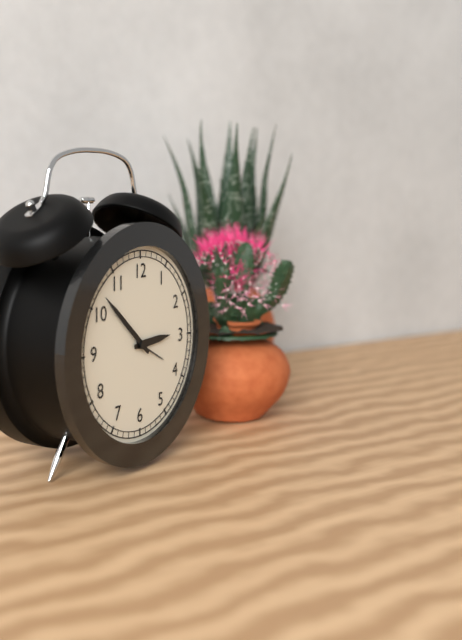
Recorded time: 2.52
